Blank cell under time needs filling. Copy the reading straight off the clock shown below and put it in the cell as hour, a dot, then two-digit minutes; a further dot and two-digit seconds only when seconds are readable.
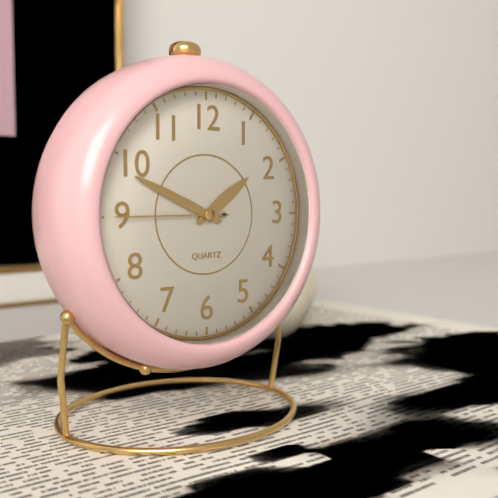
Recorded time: 1.49.45
